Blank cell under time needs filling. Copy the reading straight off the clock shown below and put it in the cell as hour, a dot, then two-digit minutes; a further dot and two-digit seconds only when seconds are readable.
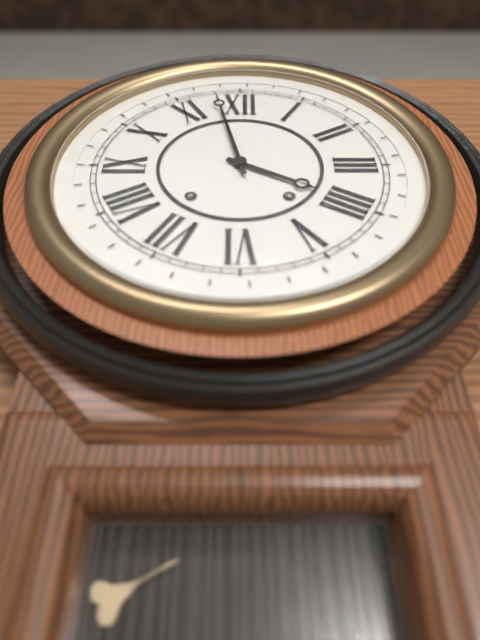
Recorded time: 3.58
